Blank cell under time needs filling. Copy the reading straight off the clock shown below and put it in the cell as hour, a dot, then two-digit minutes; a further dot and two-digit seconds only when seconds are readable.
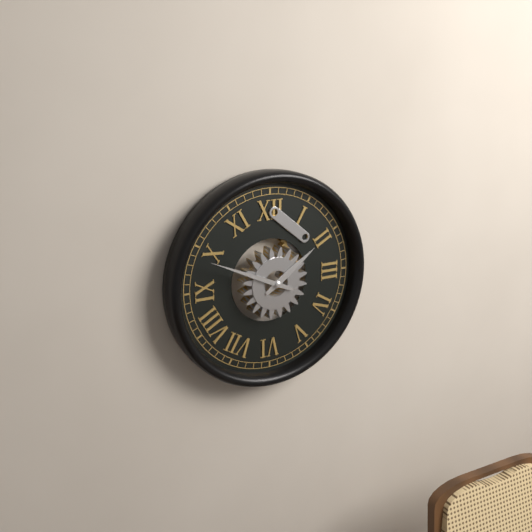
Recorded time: 1.49
